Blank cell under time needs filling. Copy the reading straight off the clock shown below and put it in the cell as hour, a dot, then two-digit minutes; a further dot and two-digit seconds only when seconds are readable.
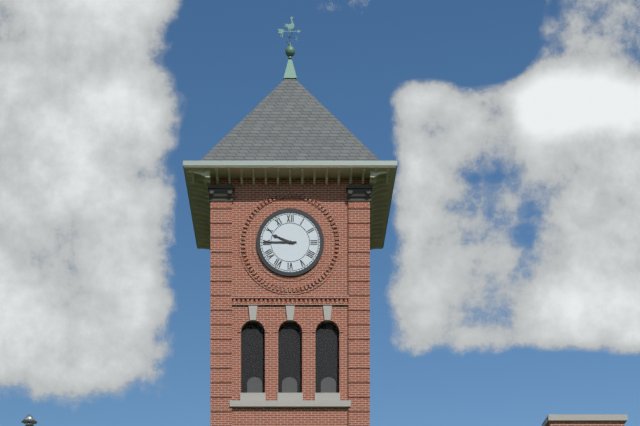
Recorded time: 9.45
